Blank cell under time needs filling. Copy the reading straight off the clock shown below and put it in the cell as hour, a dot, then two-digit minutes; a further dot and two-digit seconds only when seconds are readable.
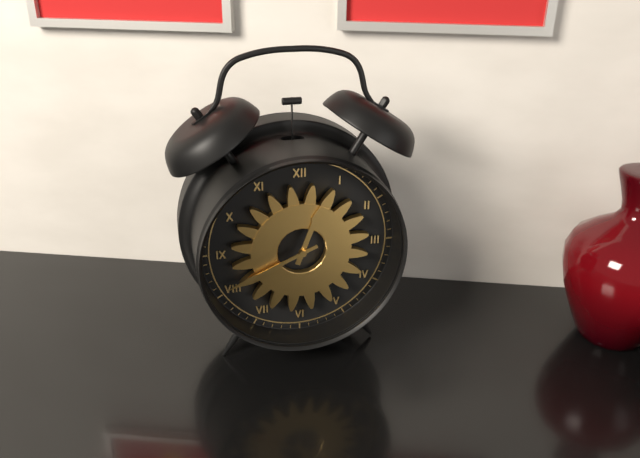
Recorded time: 12.41
